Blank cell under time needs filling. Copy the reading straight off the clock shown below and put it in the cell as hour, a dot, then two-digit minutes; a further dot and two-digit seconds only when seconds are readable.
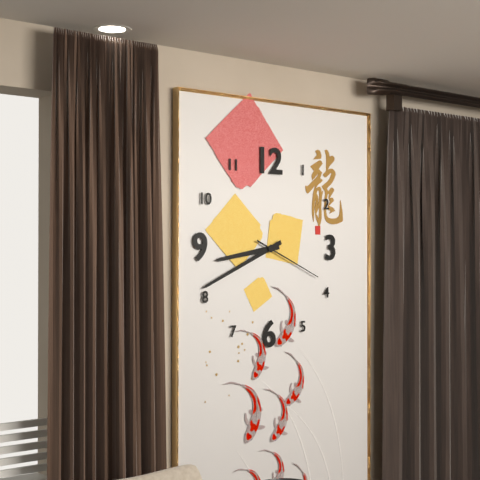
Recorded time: 8.41.19
